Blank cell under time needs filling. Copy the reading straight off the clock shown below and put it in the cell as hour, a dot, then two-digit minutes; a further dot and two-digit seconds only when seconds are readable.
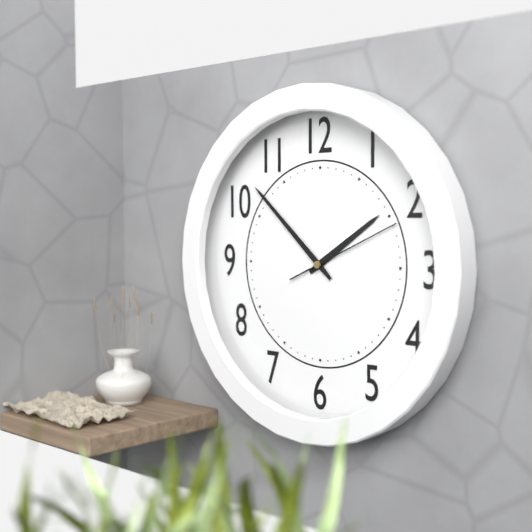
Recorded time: 1.52.11
